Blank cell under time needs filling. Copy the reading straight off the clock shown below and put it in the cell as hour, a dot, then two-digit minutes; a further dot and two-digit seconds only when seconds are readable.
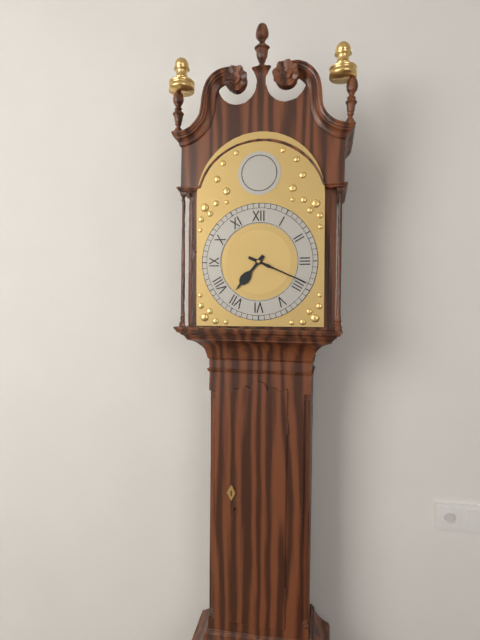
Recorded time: 7.19
